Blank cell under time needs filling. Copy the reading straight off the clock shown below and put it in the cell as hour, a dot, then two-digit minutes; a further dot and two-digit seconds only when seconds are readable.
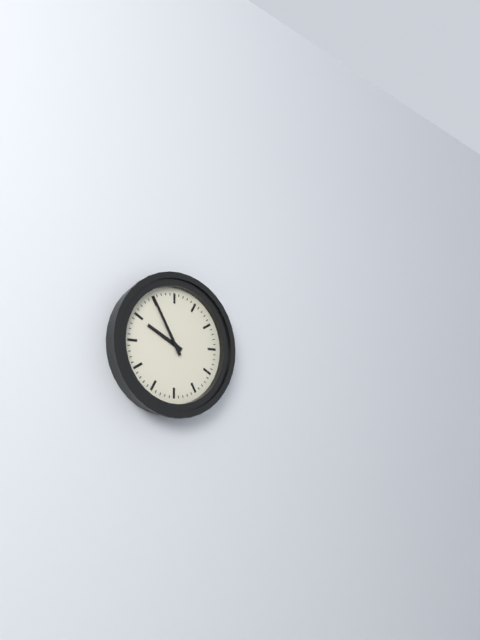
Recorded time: 9.55
